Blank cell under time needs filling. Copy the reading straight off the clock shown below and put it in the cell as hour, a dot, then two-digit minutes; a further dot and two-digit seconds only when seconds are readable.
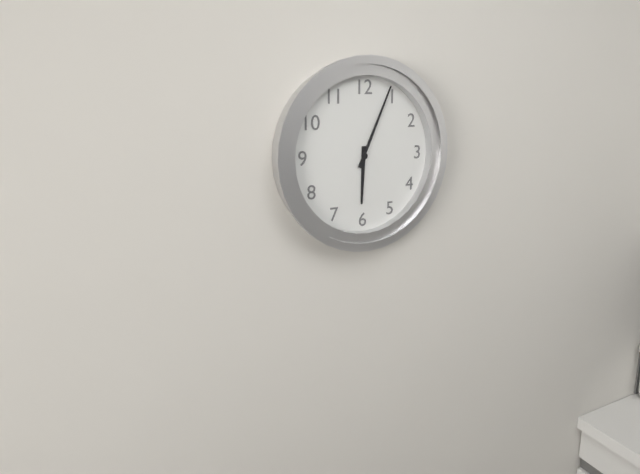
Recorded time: 6.04
